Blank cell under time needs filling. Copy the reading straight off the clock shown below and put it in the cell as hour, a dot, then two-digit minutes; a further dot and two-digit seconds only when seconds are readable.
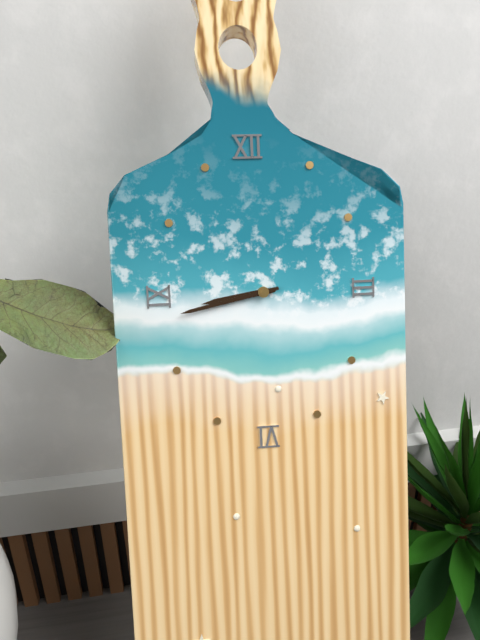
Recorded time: 8.43
